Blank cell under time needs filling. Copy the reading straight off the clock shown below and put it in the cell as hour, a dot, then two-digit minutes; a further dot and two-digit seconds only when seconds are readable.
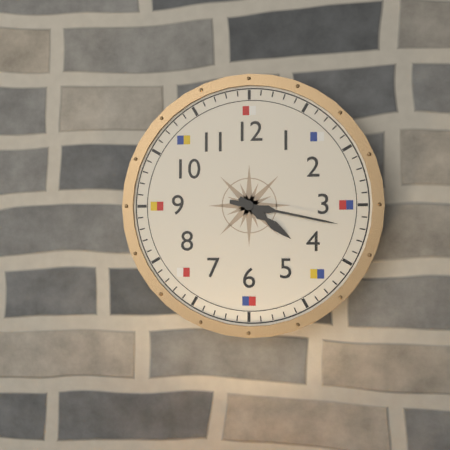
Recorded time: 4.17
